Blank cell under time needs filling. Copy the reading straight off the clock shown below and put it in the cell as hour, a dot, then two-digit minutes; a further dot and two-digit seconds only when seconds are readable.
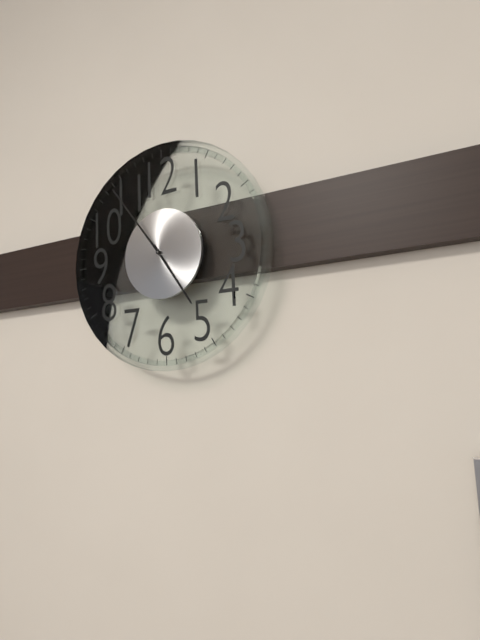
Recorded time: 4.54
